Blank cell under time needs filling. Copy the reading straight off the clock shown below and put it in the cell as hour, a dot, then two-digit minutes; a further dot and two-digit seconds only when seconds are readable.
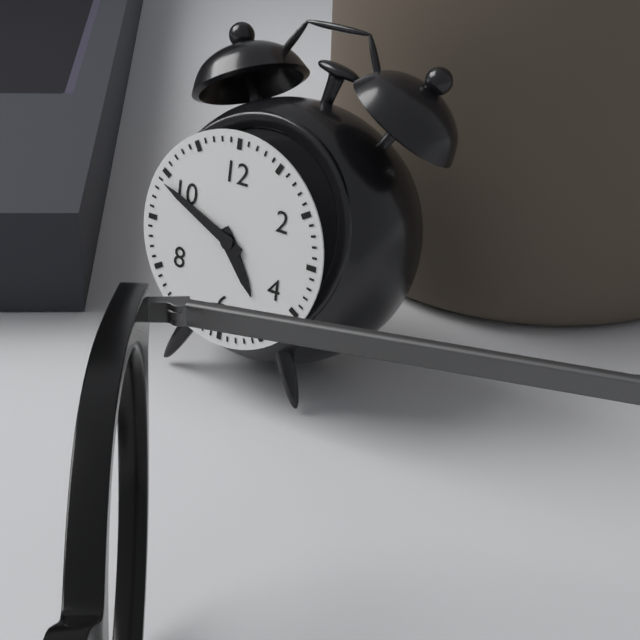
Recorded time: 4.49
